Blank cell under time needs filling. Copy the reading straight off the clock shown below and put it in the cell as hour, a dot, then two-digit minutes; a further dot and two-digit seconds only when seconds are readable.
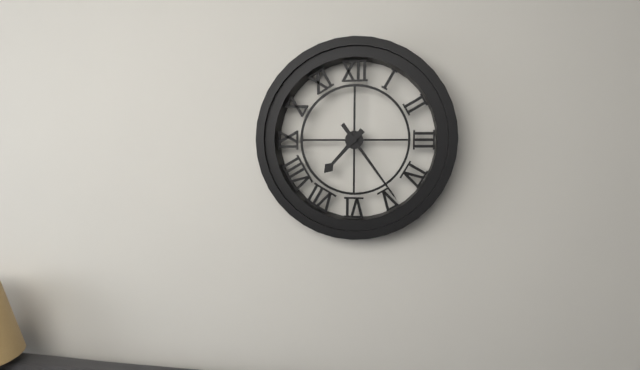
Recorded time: 7.24
